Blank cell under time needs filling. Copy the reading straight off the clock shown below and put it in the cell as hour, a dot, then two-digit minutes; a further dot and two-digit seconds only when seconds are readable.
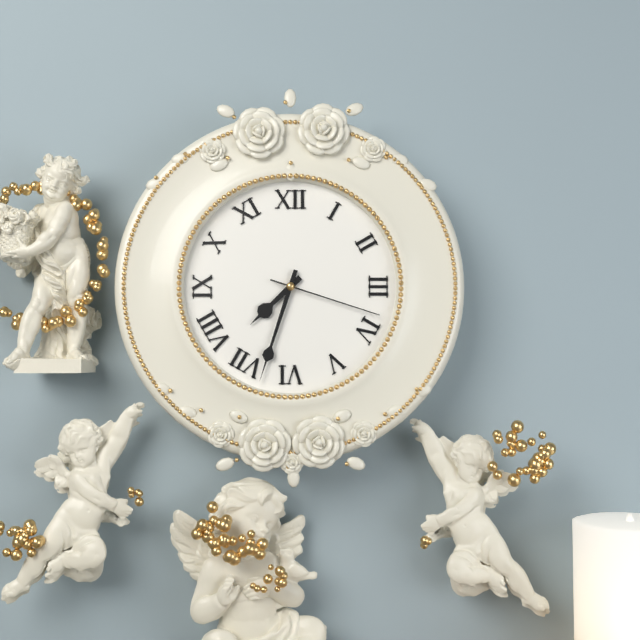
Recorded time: 7.33.18
